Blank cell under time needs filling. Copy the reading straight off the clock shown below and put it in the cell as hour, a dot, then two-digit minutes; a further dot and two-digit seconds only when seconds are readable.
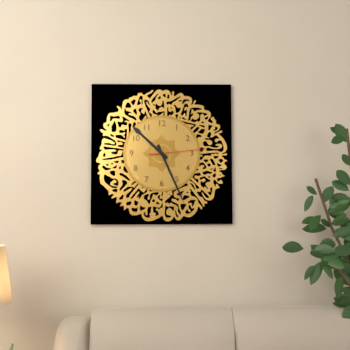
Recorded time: 10.26.14
